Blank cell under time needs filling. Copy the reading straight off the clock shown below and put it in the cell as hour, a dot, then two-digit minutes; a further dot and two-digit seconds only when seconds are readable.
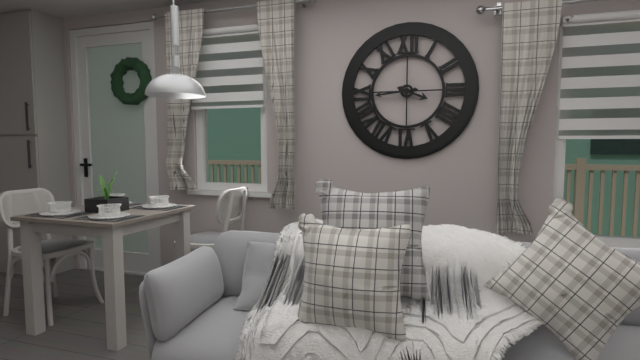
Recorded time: 3.44
